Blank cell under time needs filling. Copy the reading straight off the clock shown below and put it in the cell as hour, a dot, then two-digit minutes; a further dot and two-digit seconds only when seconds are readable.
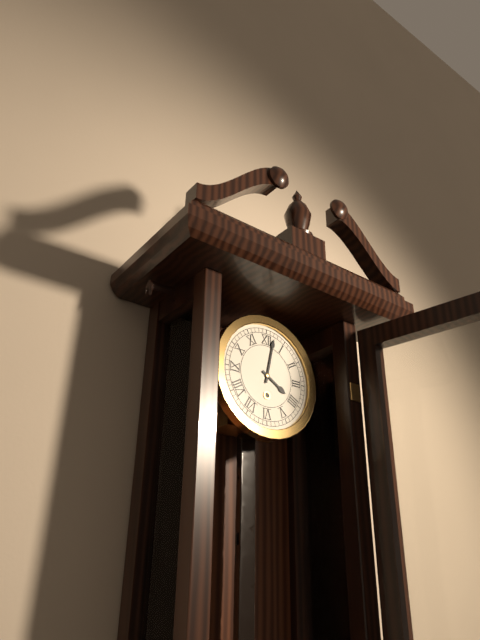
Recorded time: 4.02
